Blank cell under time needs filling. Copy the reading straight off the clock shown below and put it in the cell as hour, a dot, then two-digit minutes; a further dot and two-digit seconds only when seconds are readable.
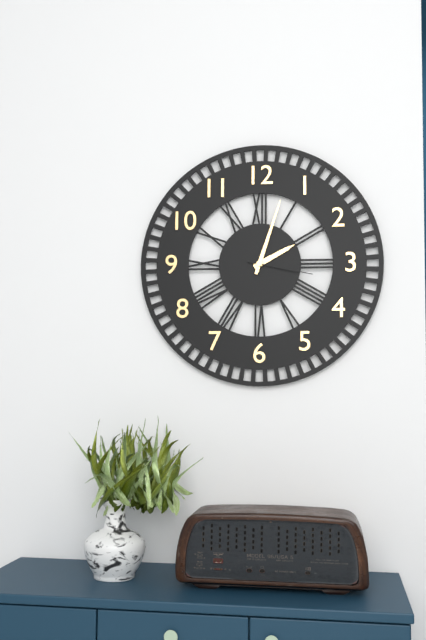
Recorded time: 2.03.17
